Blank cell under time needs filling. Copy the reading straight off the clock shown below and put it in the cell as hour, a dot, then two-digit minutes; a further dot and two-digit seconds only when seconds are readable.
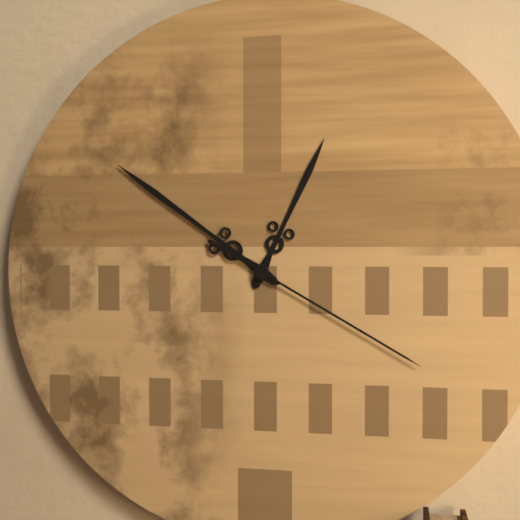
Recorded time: 12.51.20
